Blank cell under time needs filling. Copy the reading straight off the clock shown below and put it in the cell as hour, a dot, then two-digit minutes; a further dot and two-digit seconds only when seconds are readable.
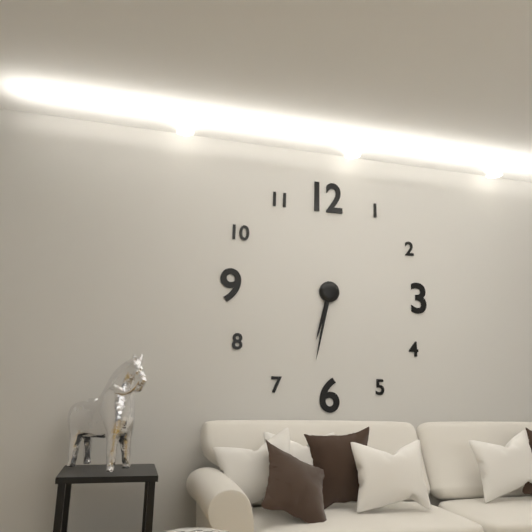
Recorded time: 6.32
